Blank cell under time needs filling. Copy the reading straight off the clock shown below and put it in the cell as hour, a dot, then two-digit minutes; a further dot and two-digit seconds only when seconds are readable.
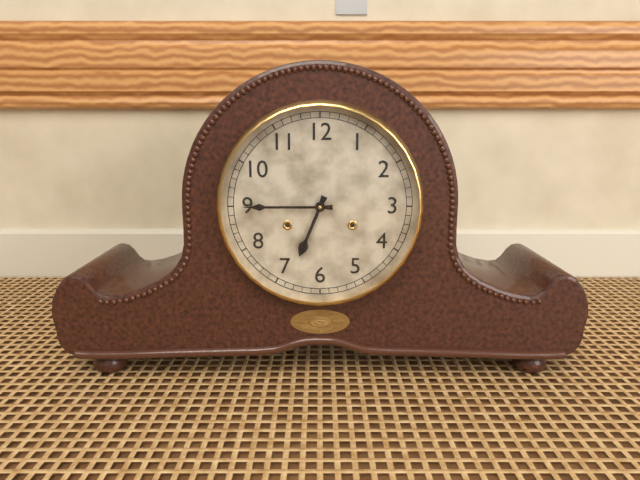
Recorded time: 6.45
